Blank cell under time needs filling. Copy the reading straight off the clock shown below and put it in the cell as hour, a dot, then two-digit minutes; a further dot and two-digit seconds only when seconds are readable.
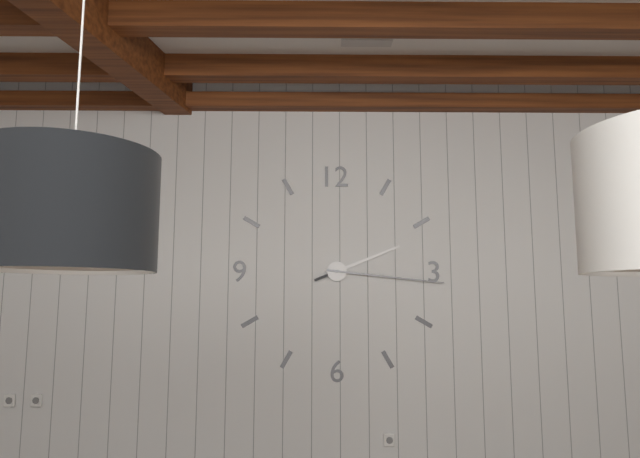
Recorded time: 2.16
